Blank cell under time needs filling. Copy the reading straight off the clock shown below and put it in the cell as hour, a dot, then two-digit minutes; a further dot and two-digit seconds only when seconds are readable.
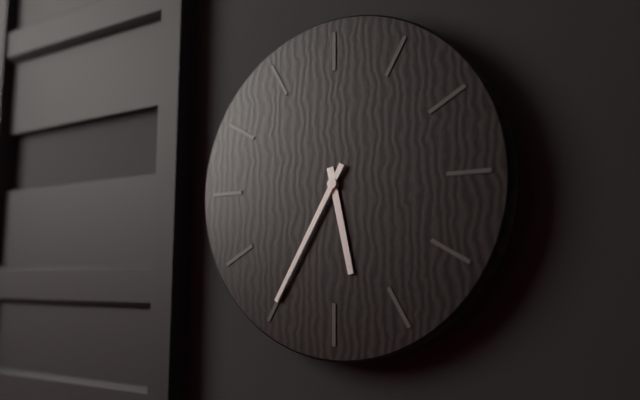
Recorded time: 5.35
